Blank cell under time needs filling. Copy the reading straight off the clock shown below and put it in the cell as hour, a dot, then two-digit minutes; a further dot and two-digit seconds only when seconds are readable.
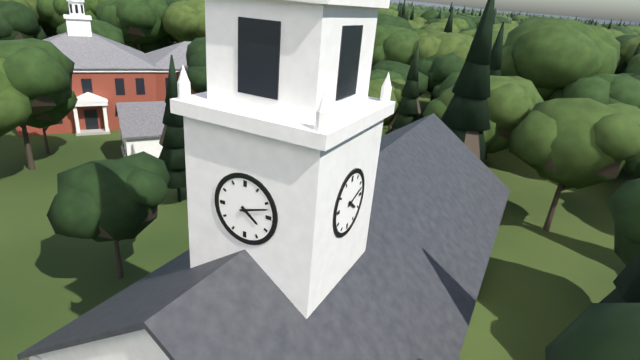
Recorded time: 4.12
